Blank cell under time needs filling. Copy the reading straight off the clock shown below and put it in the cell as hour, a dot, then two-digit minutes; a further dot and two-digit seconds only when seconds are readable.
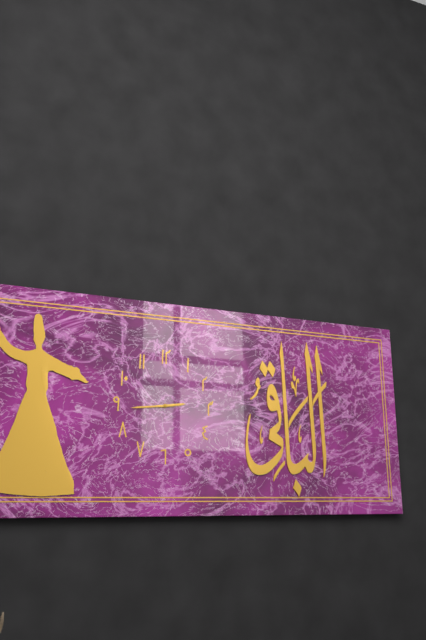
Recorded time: 2.44
